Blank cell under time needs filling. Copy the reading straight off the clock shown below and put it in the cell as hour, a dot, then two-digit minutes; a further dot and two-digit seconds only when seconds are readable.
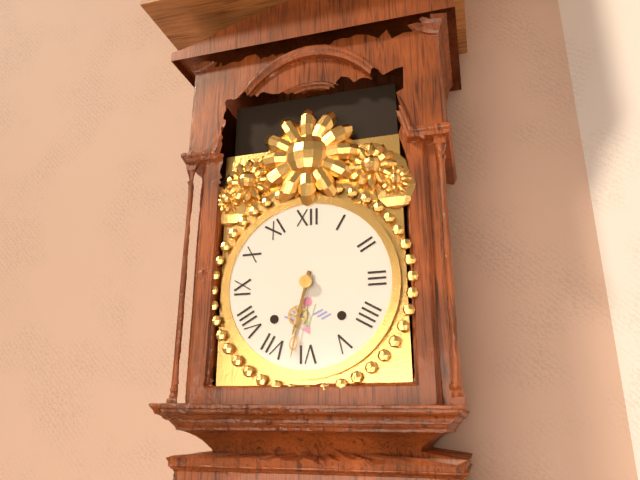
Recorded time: 6.32
